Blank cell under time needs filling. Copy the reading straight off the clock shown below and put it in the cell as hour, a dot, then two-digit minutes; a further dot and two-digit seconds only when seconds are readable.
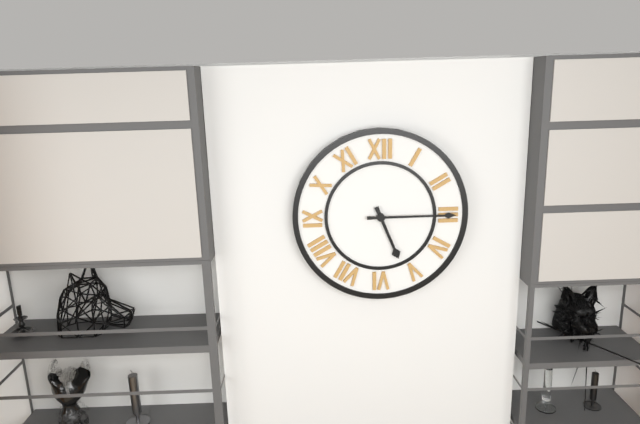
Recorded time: 5.15
